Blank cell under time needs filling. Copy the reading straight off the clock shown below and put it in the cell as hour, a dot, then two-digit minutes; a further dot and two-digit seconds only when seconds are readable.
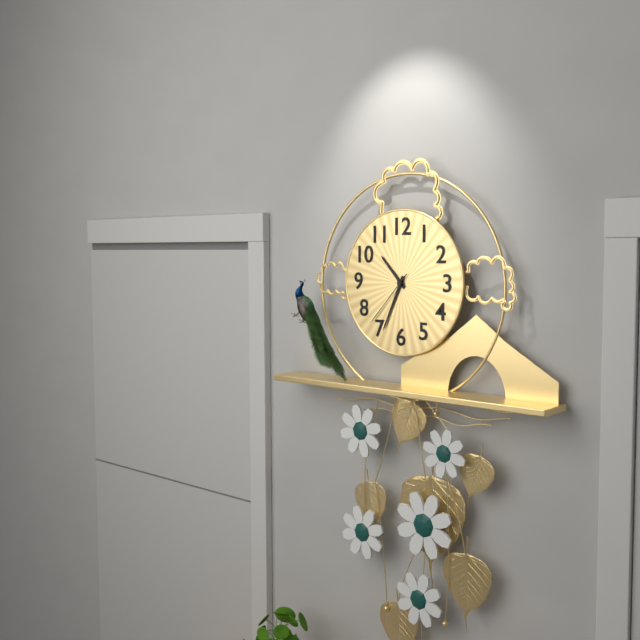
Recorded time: 10.34.37
